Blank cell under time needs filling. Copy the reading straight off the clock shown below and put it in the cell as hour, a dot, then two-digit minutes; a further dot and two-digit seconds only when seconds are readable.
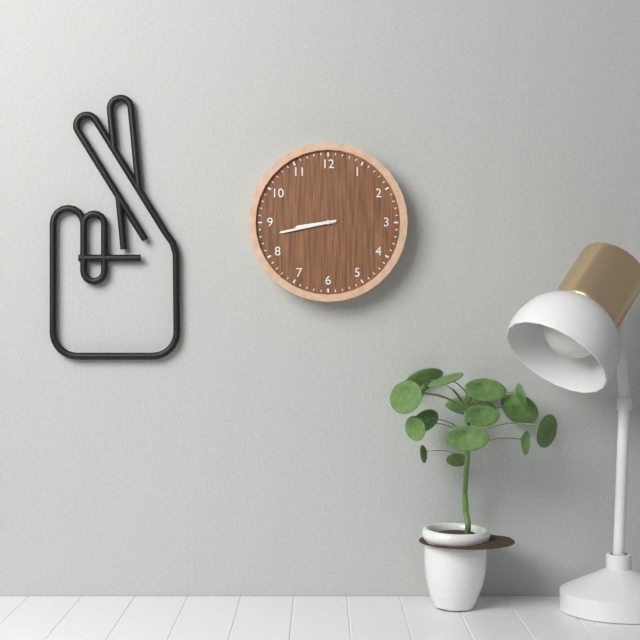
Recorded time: 8.43
